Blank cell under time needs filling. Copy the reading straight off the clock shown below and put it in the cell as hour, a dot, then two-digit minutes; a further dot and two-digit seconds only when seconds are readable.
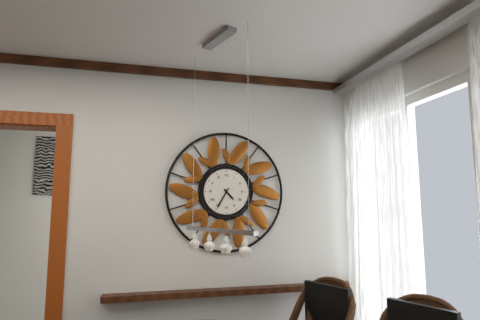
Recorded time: 4.35
